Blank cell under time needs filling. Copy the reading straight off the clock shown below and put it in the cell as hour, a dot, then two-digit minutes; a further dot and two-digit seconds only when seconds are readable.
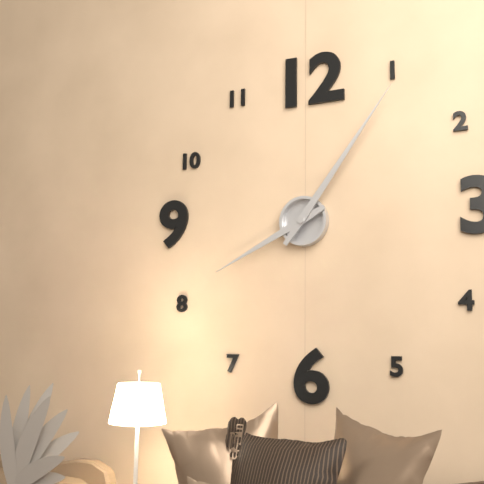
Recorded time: 8.06
